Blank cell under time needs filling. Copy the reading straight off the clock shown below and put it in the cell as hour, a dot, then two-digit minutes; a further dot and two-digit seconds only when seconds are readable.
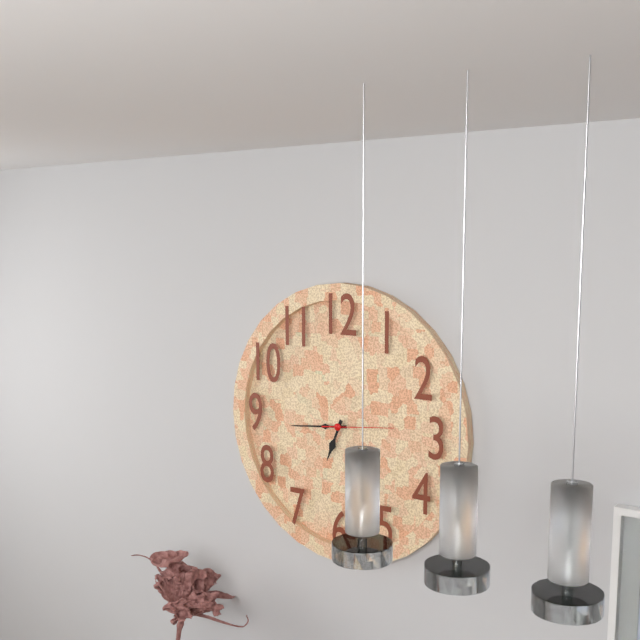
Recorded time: 6.44.14
